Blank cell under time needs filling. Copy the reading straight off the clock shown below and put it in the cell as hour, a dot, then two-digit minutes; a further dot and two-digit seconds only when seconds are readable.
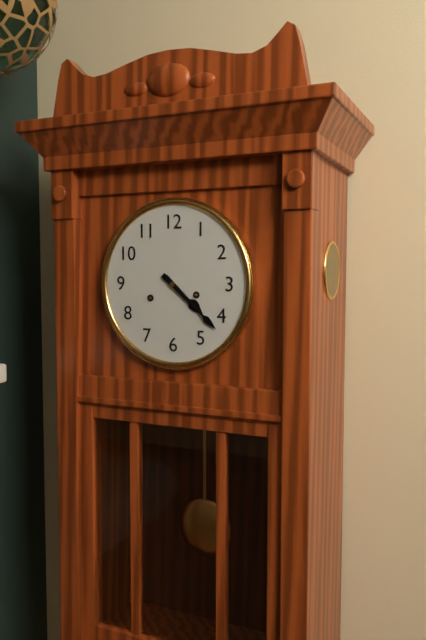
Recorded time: 4.22
